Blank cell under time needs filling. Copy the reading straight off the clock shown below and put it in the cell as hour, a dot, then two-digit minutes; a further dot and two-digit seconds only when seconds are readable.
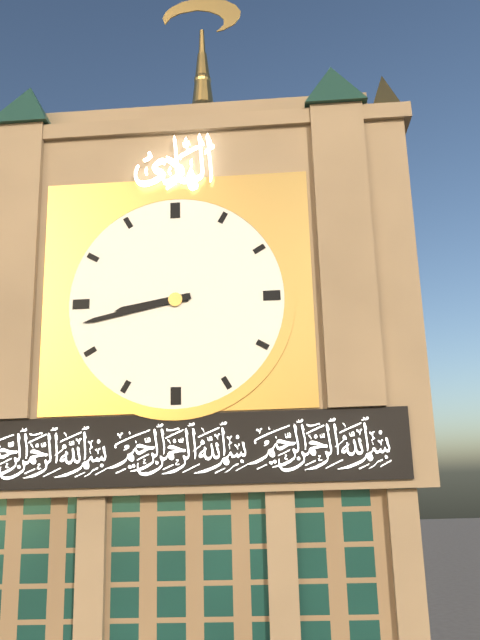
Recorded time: 8.43
